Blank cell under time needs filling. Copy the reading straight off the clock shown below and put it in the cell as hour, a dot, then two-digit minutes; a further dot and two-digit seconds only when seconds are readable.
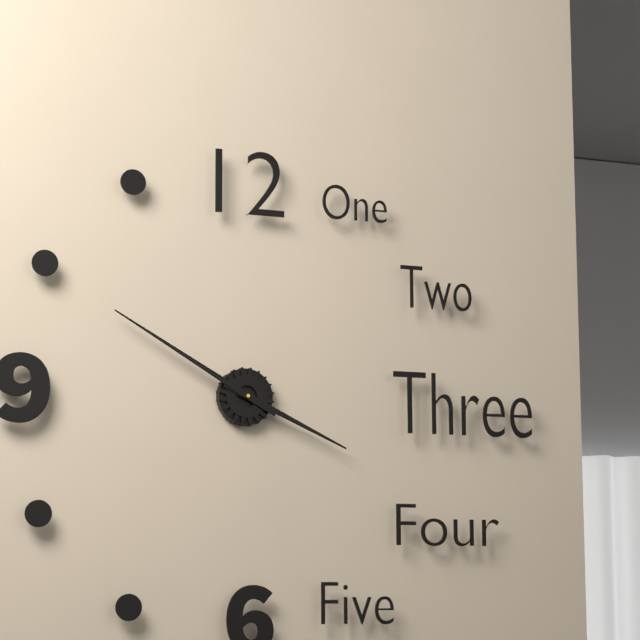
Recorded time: 3.50
